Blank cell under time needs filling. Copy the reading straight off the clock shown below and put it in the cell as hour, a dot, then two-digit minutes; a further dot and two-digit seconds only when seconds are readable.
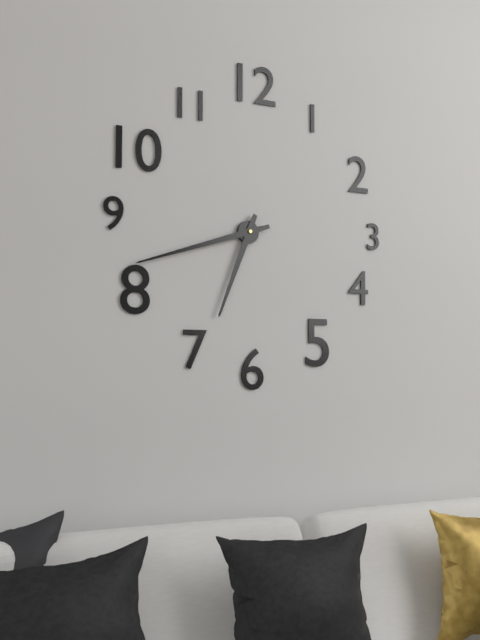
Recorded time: 6.42
